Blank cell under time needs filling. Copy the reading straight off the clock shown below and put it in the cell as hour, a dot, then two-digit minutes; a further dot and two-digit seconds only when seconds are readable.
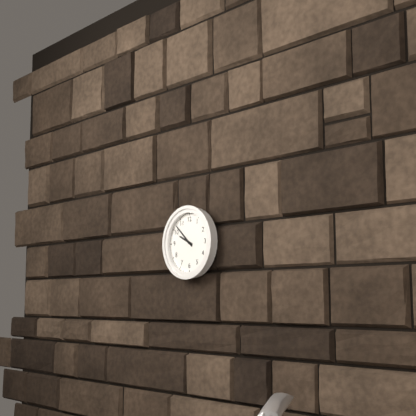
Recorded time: 9.52
